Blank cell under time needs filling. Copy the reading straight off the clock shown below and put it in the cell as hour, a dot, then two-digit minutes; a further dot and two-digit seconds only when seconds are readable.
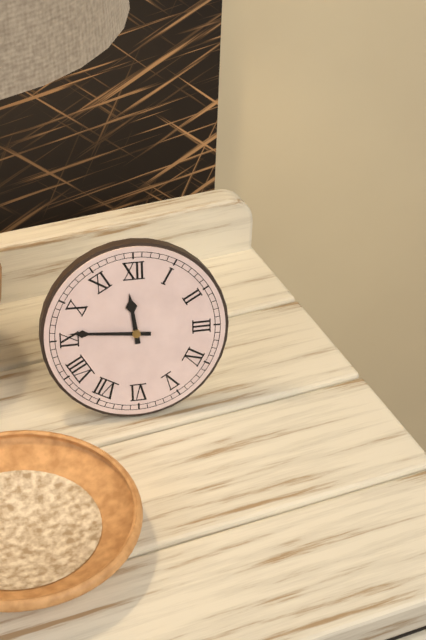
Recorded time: 11.46
